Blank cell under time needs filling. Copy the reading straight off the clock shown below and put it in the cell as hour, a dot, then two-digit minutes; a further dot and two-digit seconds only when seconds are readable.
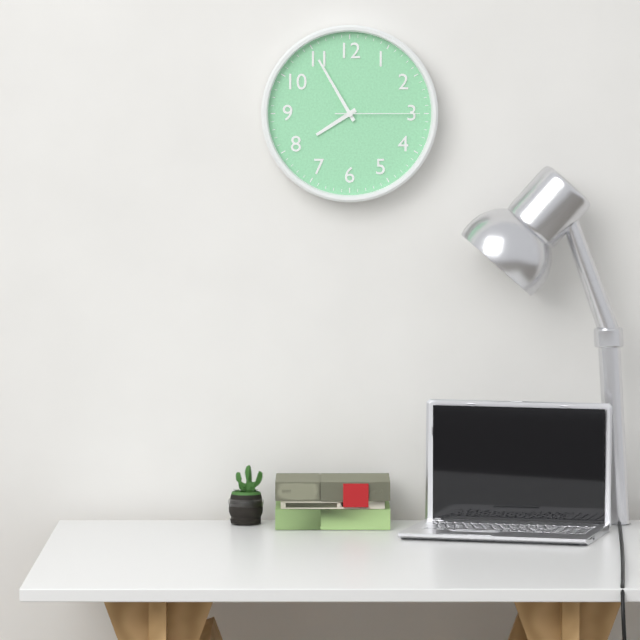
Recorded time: 7.55.15
